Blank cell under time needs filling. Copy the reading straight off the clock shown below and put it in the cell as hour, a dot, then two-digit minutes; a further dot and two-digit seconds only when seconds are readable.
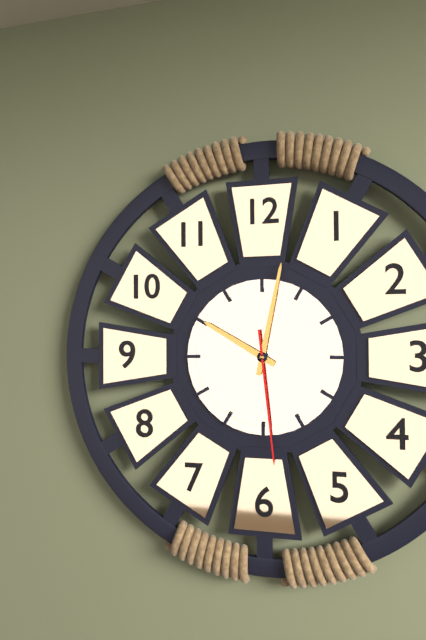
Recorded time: 10.02.29
